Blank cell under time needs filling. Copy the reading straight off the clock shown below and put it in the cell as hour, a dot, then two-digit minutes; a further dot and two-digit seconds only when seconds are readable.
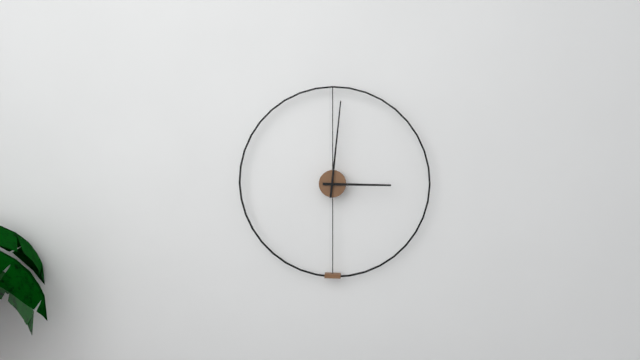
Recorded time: 3.01
